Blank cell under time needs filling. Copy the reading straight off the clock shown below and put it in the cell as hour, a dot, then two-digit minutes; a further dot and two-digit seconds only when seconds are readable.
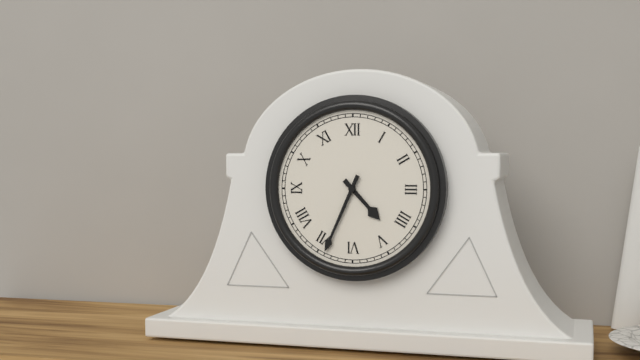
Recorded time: 4.34
